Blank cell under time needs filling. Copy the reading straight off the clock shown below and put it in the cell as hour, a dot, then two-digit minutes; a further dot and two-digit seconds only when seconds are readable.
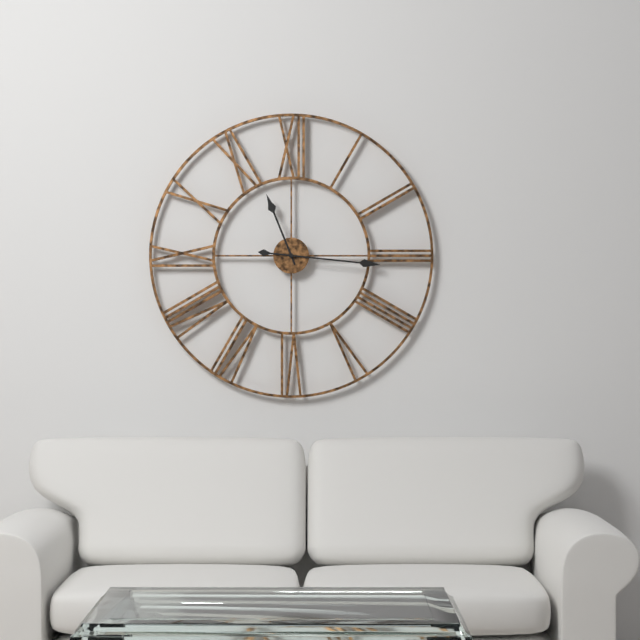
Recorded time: 11.16
